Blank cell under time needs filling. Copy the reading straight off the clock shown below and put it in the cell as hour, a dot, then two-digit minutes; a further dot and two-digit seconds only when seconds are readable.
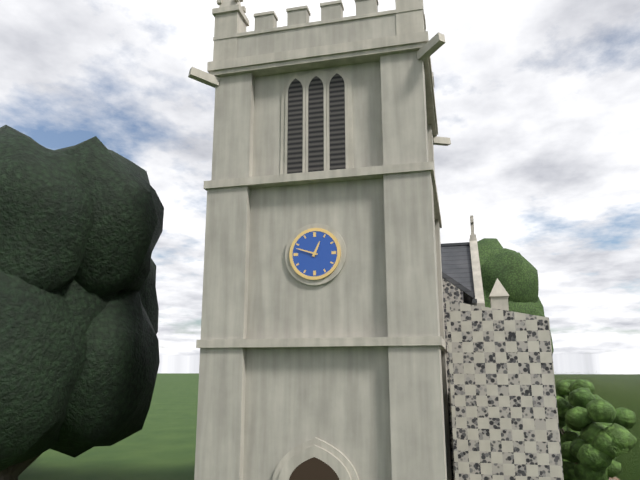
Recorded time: 12.48
